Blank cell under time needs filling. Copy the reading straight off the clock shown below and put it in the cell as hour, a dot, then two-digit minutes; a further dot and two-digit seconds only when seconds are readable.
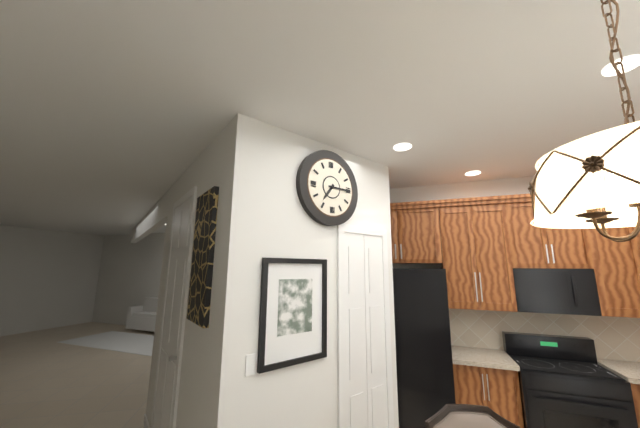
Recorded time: 7.15
